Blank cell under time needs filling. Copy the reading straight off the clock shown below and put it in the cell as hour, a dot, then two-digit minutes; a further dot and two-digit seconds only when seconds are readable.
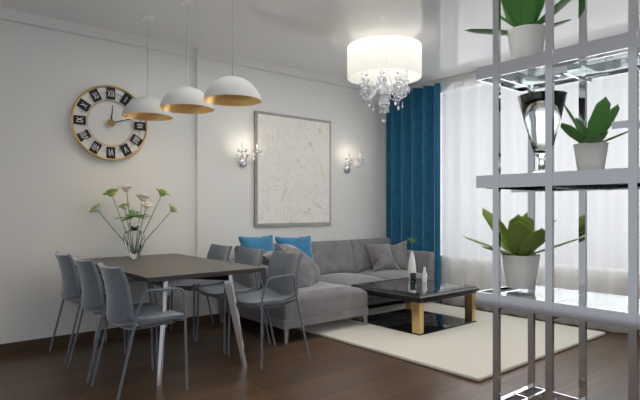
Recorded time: 12.12
